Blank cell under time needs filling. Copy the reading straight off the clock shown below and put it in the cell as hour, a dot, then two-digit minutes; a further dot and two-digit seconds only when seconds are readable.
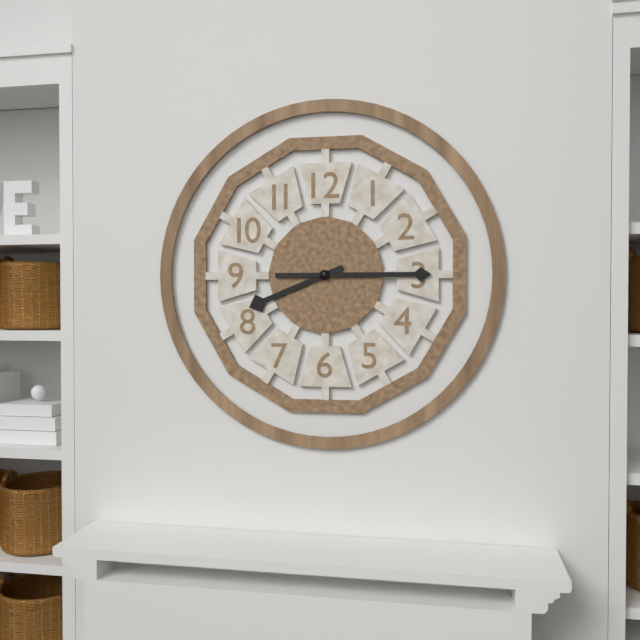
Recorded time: 8.15
